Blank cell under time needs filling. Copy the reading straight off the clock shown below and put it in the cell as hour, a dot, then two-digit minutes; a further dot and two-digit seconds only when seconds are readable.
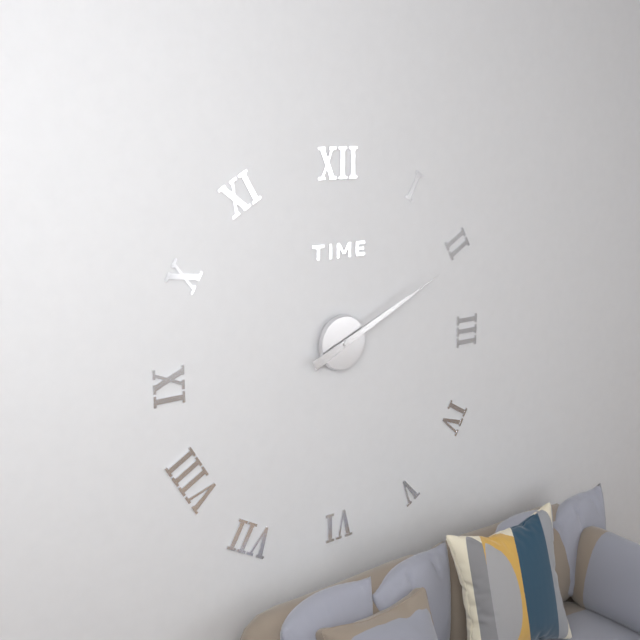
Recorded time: 2.11
